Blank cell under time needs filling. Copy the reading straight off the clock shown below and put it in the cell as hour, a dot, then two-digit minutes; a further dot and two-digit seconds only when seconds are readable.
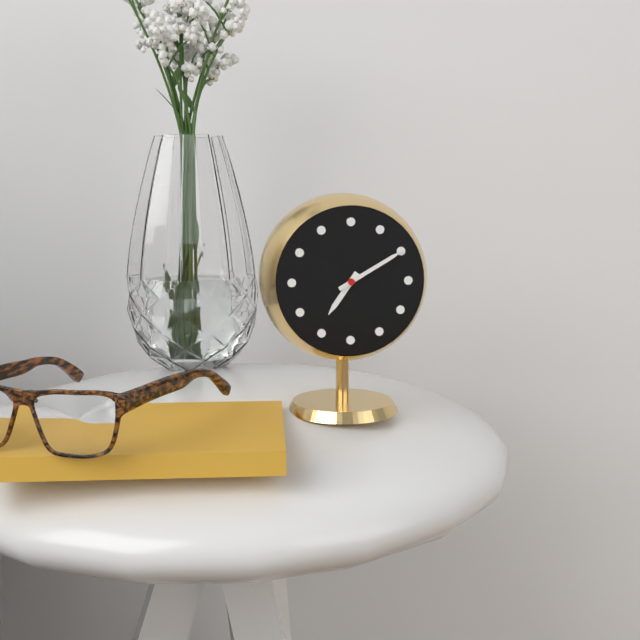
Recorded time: 7.10
